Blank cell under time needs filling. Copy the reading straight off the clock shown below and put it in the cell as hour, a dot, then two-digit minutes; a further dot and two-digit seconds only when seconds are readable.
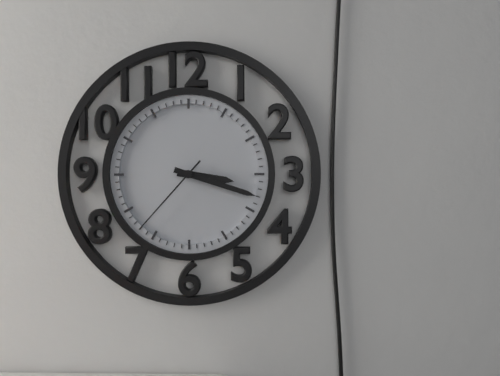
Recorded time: 3.18.37
